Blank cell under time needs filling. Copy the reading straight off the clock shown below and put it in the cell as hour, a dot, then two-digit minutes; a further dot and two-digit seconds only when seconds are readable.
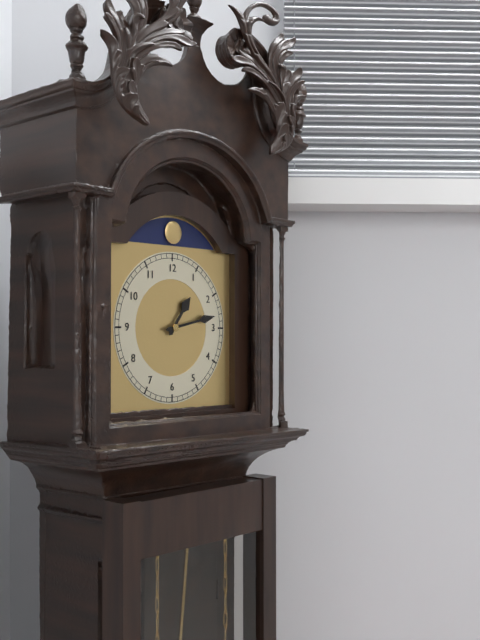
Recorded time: 1.13
